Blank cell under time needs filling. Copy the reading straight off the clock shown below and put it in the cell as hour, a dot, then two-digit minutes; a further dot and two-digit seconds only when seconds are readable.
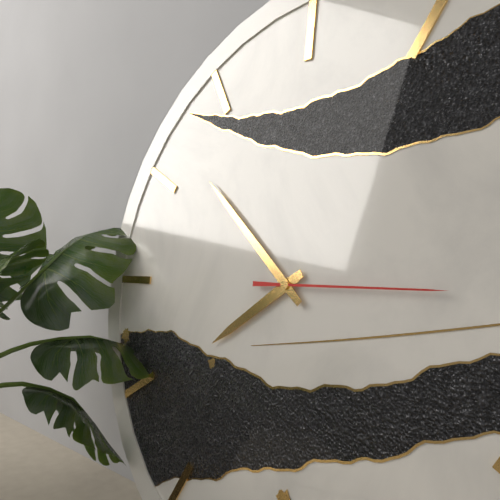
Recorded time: 7.52.15
